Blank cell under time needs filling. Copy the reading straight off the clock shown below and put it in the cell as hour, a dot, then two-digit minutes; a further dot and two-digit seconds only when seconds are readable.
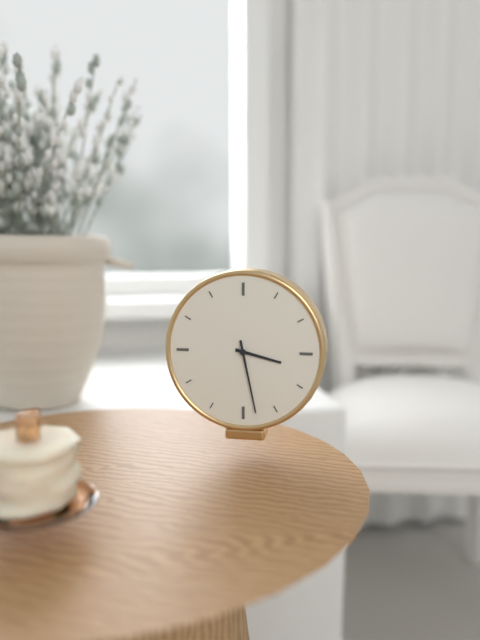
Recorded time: 3.28
